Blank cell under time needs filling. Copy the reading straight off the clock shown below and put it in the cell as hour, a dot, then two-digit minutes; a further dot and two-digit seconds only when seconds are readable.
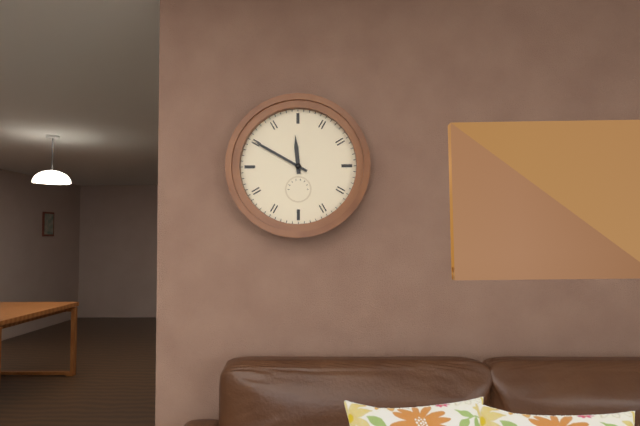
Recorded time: 11.50
